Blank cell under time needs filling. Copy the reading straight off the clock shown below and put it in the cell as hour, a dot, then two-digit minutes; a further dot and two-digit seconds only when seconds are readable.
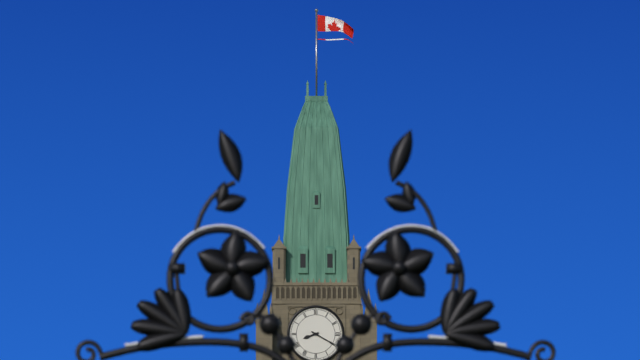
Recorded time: 8.20
